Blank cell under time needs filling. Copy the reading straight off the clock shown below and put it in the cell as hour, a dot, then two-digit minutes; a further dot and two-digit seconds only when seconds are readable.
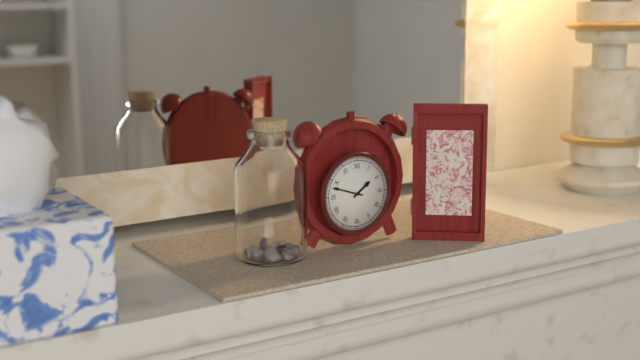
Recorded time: 1.48
